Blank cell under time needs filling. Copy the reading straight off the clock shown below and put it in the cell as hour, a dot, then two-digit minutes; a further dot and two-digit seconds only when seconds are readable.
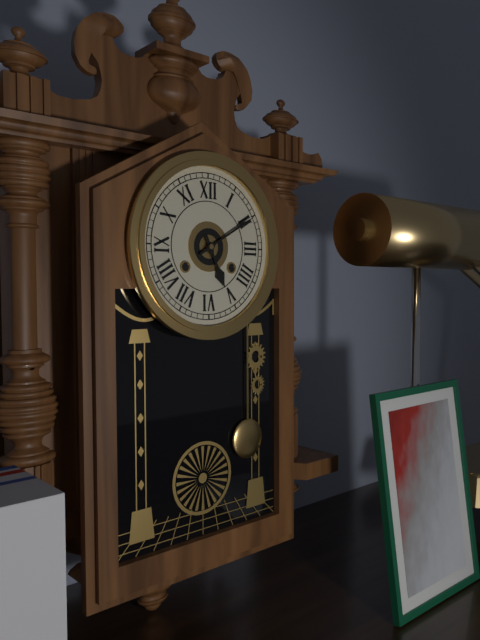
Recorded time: 5.10
